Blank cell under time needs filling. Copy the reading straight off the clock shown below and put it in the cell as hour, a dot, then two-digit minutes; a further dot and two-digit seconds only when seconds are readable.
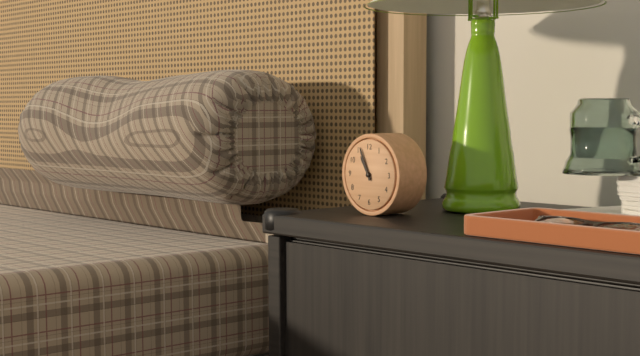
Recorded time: 10.56
